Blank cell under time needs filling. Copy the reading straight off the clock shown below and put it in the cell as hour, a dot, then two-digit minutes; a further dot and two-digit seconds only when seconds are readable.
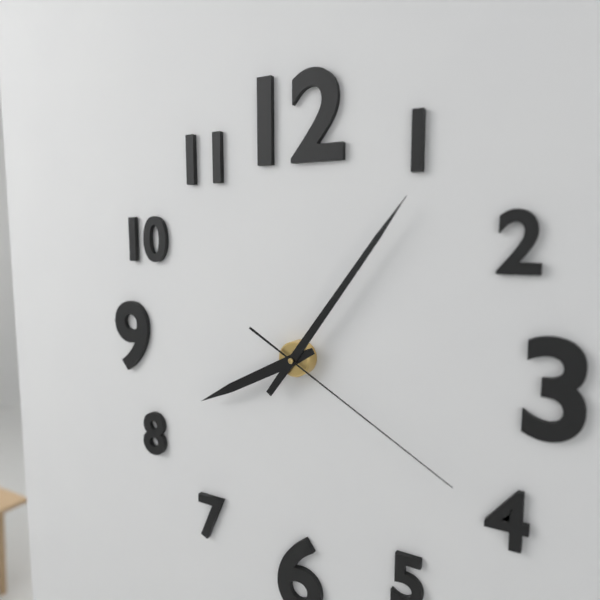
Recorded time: 8.06.20
